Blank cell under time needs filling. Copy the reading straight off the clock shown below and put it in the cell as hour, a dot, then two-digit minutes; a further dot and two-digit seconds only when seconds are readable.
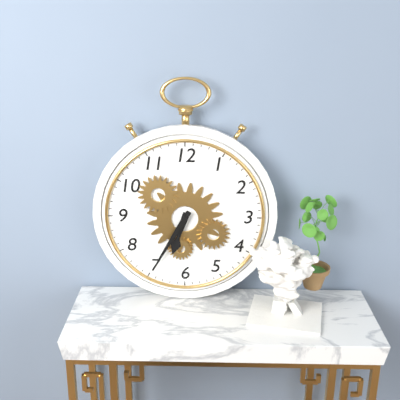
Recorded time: 6.35
